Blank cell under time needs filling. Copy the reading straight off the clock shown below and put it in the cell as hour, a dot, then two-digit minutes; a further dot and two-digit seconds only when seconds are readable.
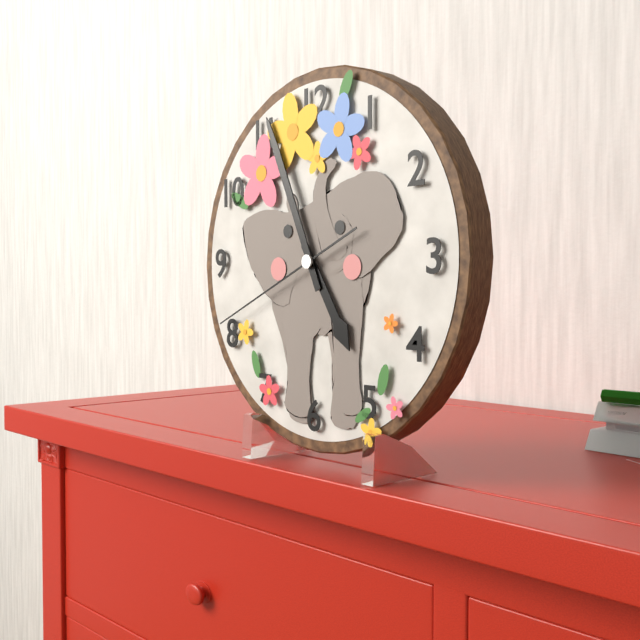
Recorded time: 4.56.41
